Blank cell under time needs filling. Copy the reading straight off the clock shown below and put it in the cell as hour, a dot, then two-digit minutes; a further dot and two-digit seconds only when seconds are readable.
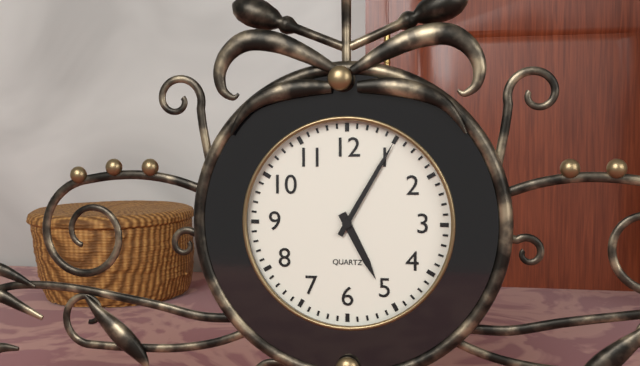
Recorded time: 5.05
